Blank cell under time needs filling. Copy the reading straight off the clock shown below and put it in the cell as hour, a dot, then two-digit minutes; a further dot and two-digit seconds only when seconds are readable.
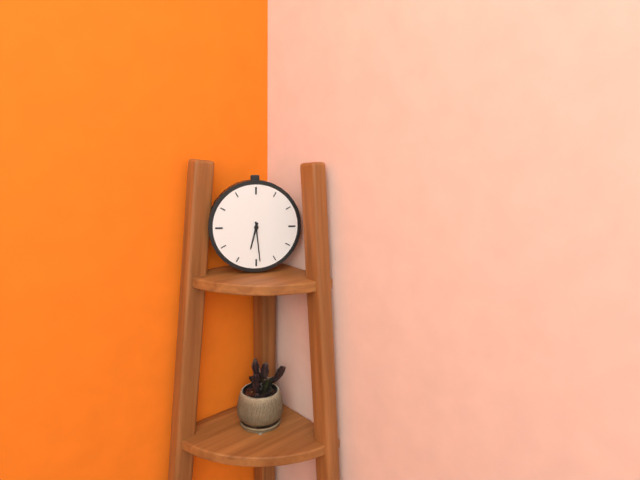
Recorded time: 6.29
